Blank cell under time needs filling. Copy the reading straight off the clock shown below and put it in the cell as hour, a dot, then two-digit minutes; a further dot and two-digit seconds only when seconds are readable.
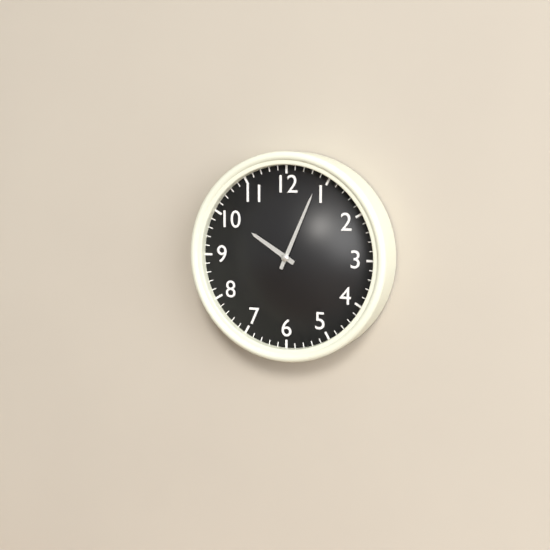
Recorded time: 10.04
